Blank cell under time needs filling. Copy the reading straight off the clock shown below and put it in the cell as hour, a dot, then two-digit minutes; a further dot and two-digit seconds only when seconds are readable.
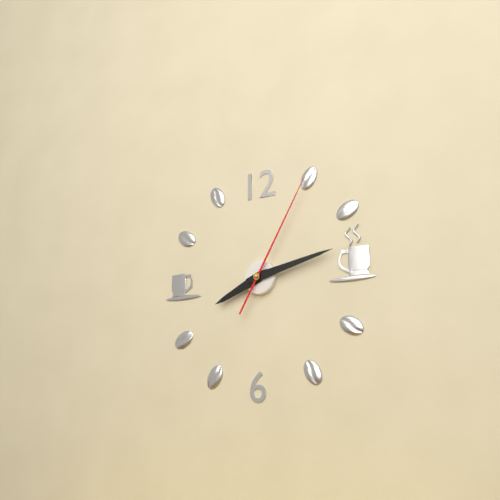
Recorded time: 8.13.05
